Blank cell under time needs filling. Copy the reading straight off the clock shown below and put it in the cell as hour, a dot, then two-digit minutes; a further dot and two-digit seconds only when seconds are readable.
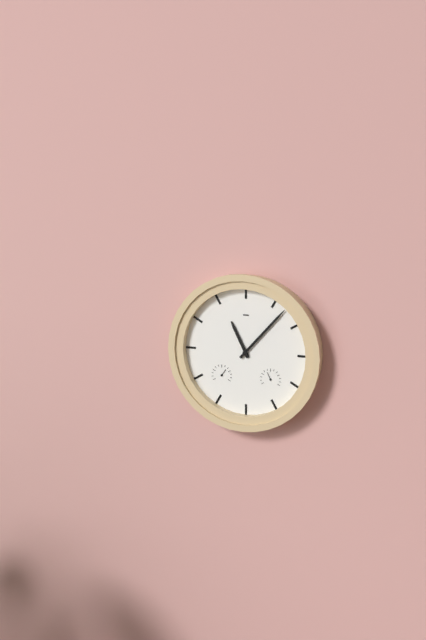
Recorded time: 11.07
